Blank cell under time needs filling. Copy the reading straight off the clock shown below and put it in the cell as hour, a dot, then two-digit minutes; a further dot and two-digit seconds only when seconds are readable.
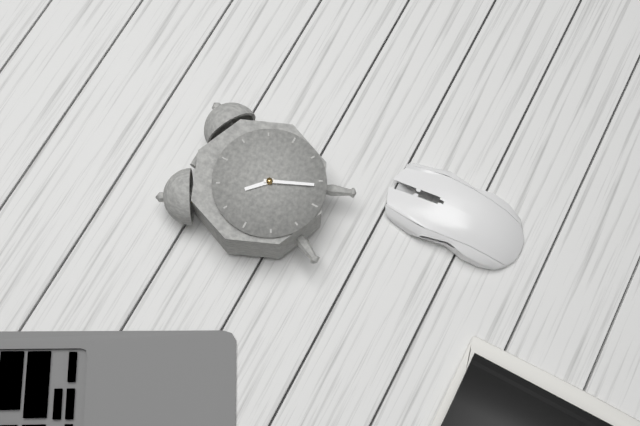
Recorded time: 10.26
